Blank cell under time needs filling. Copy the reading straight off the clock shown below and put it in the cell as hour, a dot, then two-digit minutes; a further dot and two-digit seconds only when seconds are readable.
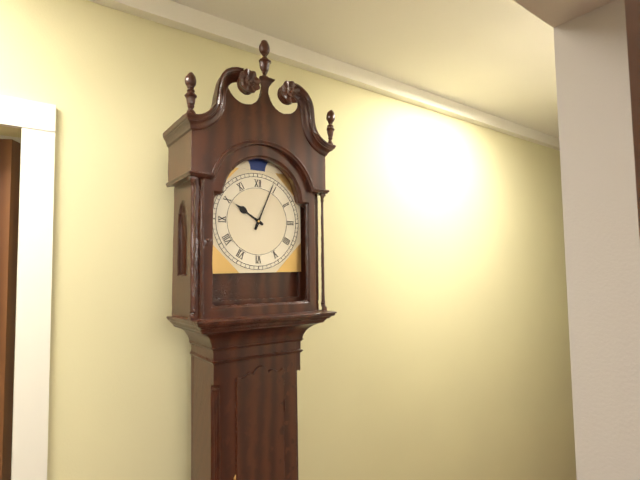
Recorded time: 10.04
